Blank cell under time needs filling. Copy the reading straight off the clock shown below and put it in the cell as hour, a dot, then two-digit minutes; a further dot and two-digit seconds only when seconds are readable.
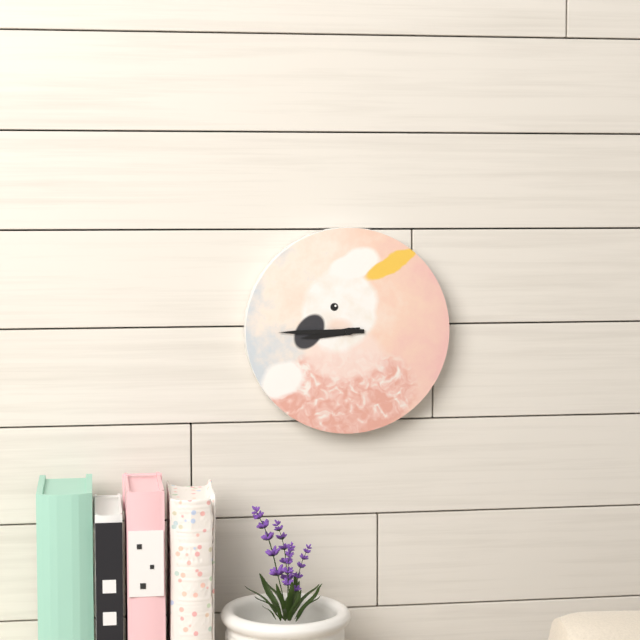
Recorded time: 8.45
